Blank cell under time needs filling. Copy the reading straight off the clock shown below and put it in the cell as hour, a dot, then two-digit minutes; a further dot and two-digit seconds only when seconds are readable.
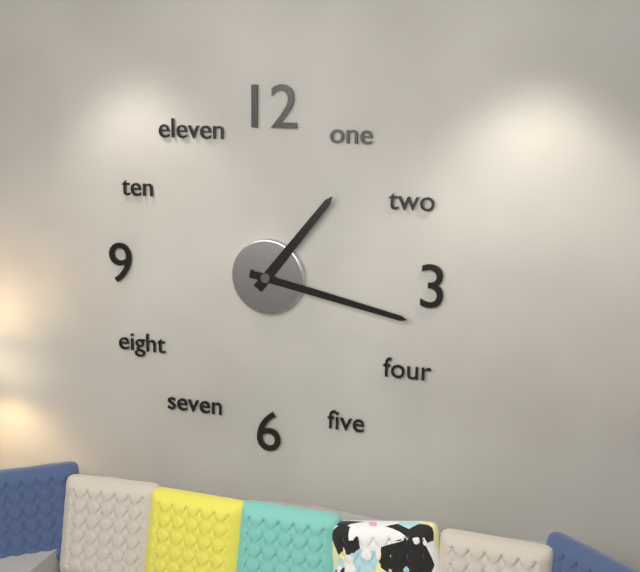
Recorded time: 1.17
